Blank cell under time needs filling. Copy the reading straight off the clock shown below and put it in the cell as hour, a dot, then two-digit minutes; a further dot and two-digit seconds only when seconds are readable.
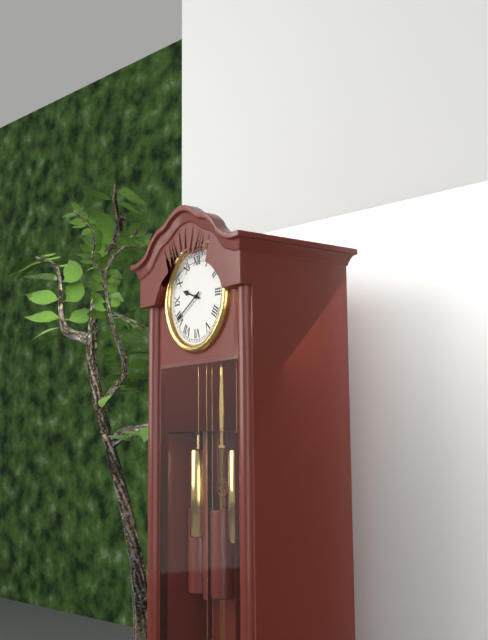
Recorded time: 9.40
